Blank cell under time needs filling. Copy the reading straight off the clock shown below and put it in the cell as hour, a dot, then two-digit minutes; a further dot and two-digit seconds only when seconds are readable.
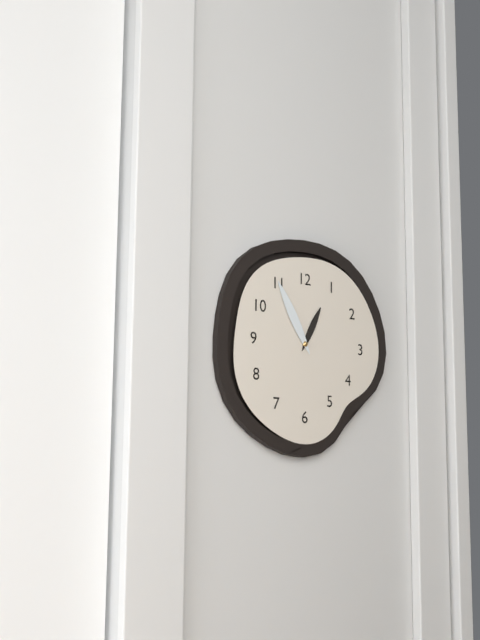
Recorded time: 12.55
